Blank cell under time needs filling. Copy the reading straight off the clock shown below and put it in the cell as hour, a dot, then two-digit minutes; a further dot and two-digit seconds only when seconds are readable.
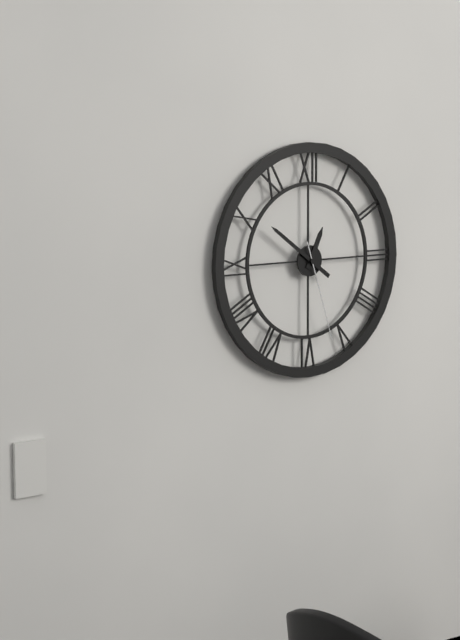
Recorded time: 12.51.27
